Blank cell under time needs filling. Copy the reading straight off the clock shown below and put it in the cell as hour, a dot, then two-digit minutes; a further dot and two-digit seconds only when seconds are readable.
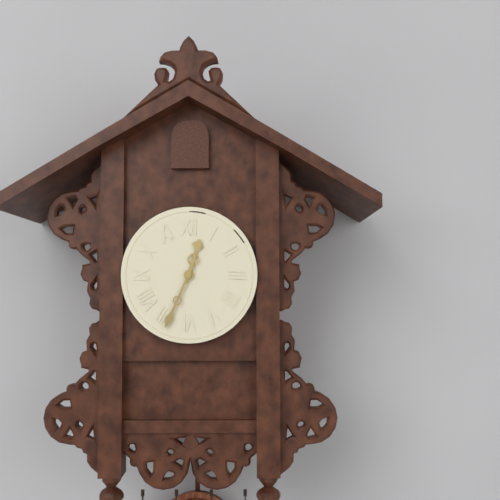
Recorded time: 12.34
